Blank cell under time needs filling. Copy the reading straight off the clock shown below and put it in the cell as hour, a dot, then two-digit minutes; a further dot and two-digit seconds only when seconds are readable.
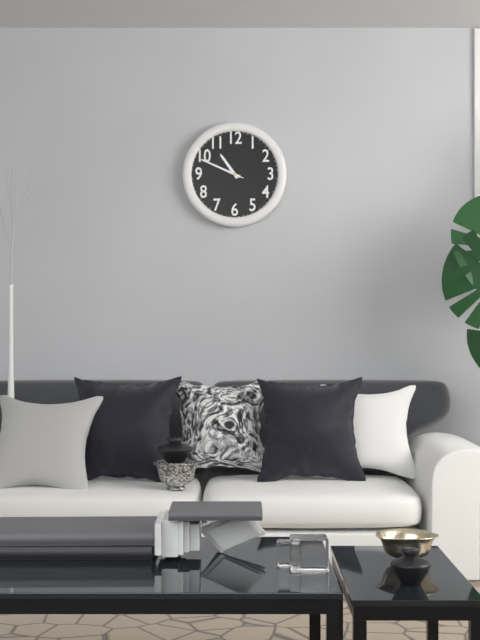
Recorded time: 10.49
